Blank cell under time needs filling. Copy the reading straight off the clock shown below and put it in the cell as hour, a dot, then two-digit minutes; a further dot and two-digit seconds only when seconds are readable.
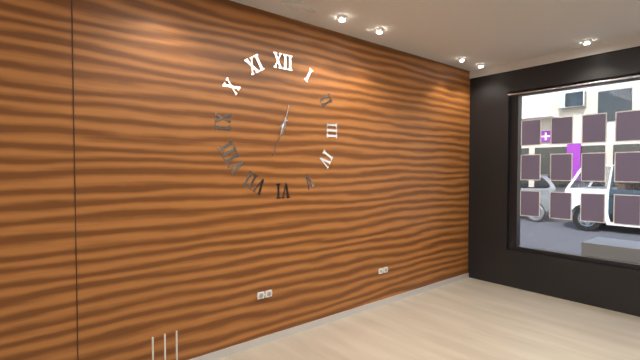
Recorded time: 12.34
